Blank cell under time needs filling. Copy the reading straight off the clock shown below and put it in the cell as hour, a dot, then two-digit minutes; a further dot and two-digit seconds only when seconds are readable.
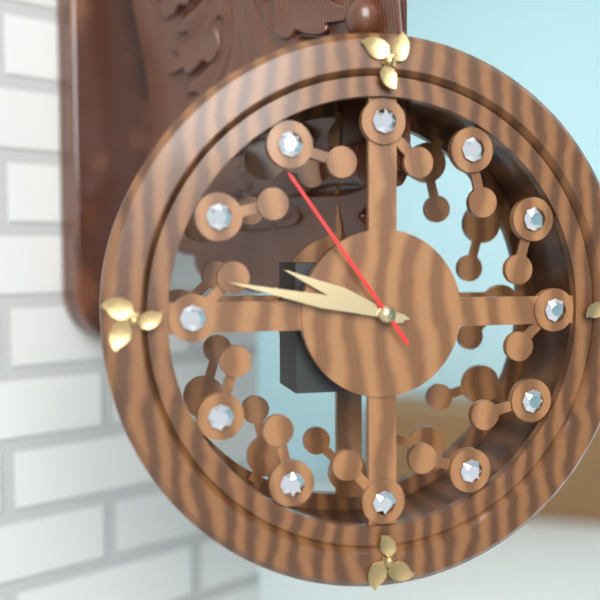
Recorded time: 9.47.54
